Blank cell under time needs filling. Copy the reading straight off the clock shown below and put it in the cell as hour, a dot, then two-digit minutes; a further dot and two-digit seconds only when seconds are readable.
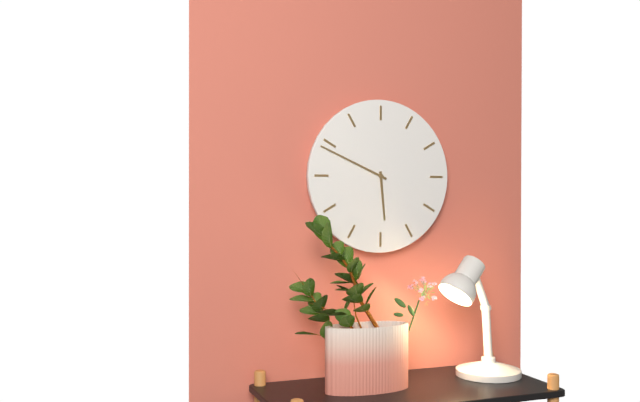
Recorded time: 5.49
